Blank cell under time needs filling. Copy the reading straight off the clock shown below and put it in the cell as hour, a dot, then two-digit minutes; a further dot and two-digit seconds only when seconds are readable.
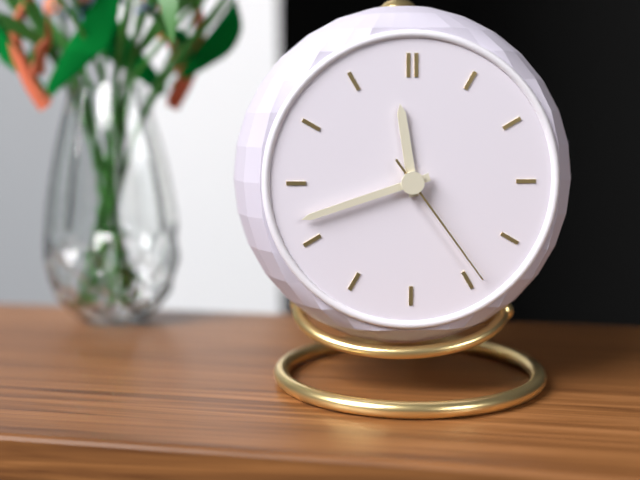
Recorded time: 11.42.24
